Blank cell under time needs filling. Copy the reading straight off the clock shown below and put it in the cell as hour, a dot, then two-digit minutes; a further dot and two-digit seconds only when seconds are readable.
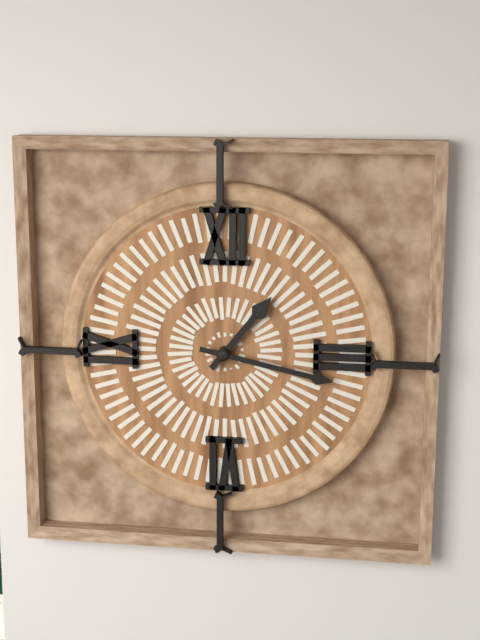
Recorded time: 1.17
